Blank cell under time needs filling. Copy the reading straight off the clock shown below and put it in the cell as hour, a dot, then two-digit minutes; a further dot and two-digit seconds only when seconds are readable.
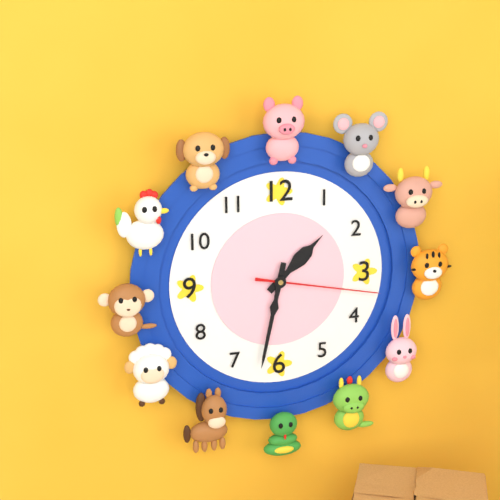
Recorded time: 1.32.17
